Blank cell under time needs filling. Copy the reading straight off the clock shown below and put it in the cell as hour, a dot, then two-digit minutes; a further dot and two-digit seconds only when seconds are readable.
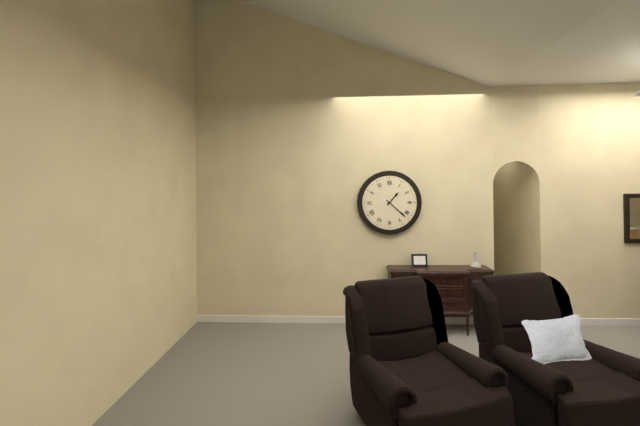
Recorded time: 1.22
